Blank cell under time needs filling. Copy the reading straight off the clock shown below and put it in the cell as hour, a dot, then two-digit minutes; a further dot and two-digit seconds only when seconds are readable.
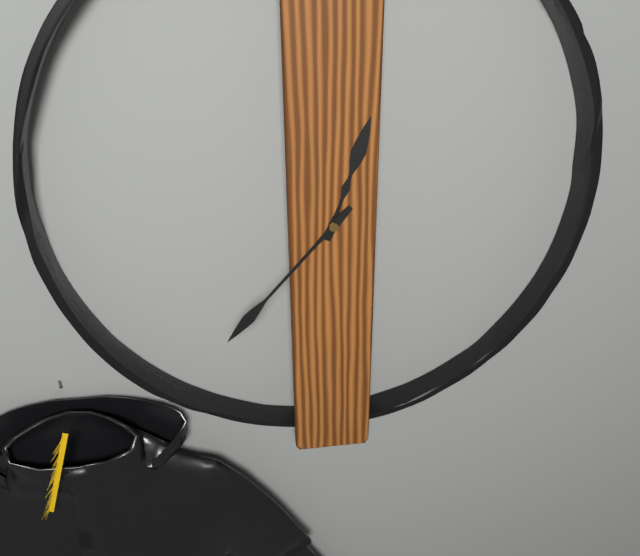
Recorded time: 12.37
